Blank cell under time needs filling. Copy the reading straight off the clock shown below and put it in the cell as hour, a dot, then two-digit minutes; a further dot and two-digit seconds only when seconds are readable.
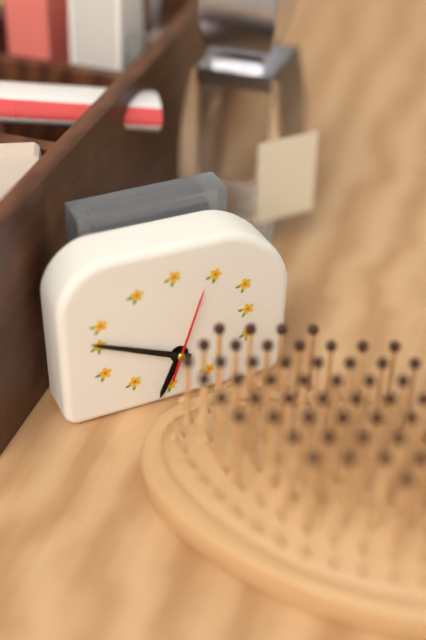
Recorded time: 6.49.03
